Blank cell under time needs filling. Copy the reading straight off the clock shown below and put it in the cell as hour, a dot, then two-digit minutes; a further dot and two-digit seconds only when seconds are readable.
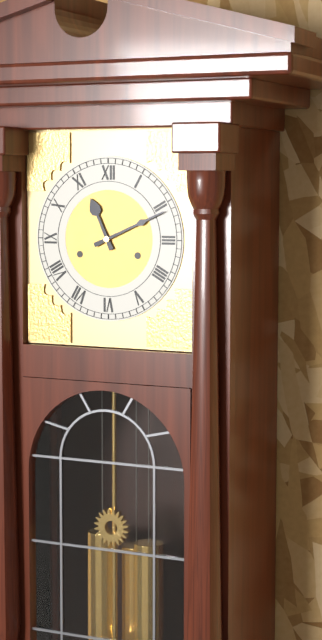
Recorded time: 11.11
